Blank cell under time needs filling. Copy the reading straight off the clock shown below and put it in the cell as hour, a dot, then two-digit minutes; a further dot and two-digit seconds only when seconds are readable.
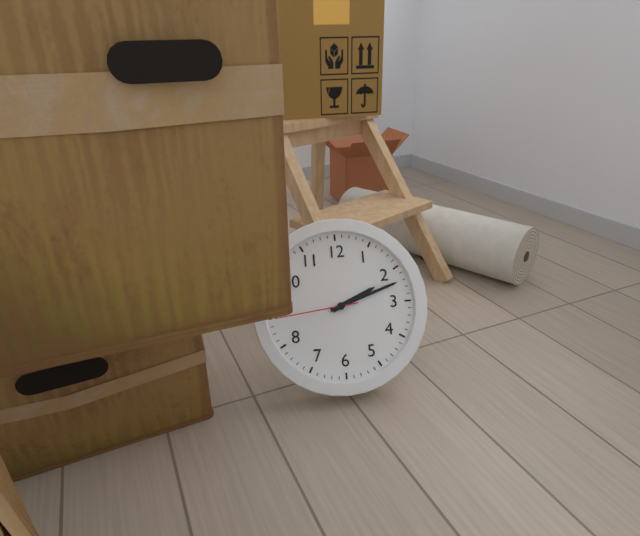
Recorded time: 2.12.44
